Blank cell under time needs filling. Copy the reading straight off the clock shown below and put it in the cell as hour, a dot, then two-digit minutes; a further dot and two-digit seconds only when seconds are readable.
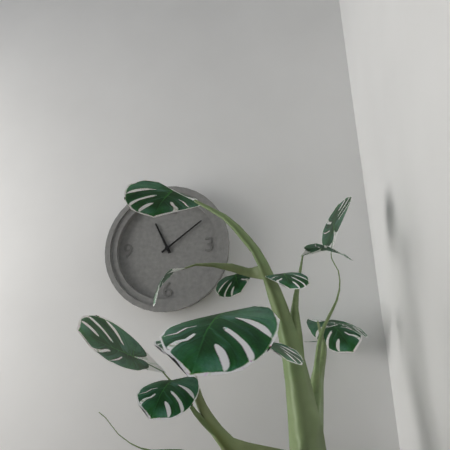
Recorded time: 11.09
